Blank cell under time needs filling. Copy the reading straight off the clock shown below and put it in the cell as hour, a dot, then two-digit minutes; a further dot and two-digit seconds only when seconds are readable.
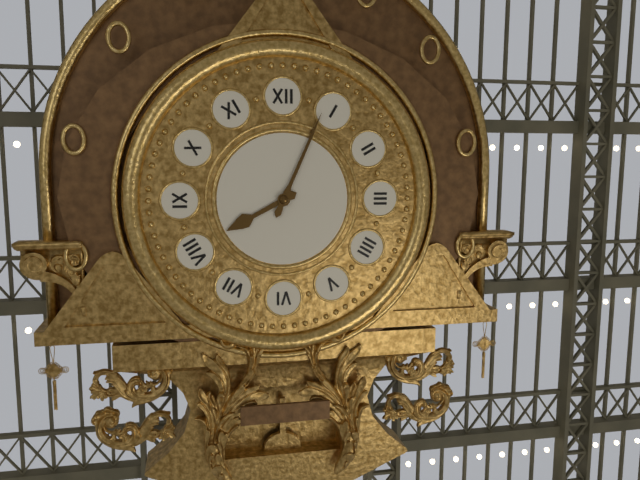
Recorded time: 8.04
